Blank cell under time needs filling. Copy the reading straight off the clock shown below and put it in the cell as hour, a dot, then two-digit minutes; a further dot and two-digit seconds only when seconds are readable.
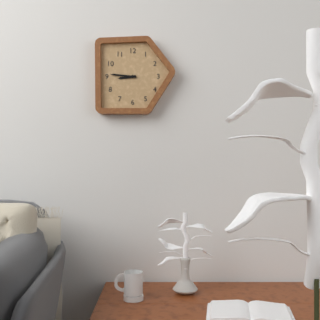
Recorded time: 8.46
